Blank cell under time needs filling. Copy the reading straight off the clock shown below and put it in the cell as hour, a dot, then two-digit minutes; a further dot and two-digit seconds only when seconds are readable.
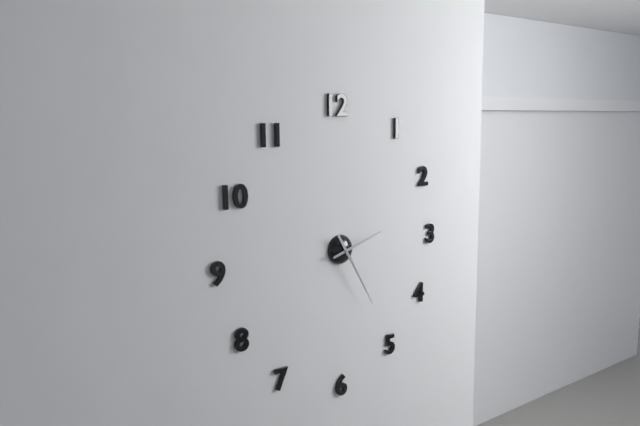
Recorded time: 2.25
